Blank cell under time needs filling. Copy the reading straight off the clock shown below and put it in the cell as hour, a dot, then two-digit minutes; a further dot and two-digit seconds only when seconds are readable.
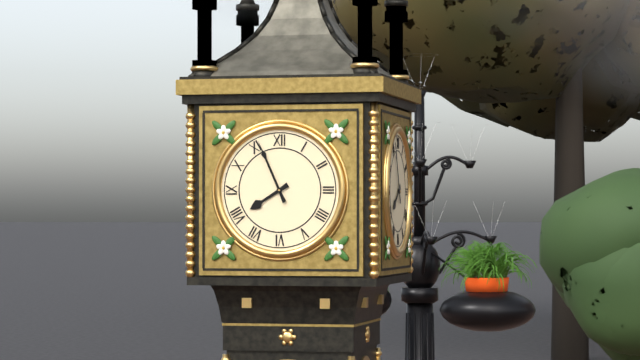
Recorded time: 7.56
